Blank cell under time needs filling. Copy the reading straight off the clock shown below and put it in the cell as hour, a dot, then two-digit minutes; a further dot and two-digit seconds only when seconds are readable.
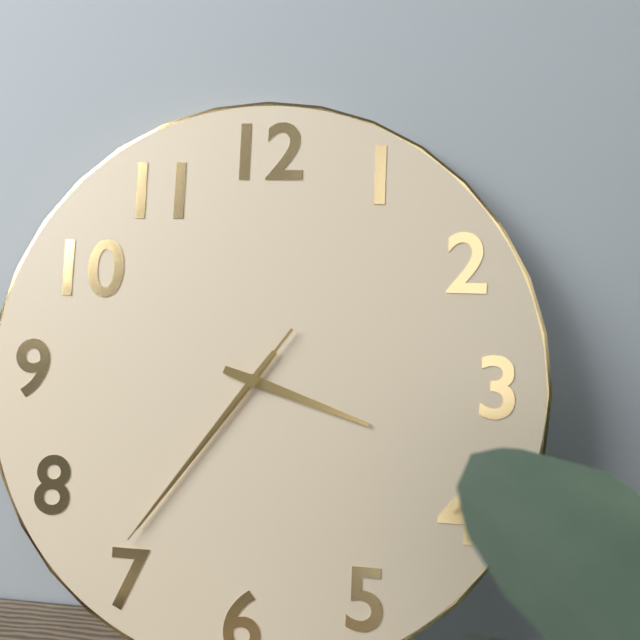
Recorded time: 3.36.36
